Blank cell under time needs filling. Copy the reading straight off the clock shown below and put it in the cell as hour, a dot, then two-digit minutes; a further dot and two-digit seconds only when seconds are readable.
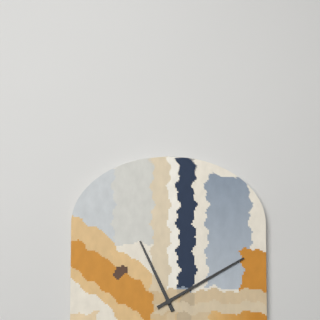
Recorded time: 11.10
